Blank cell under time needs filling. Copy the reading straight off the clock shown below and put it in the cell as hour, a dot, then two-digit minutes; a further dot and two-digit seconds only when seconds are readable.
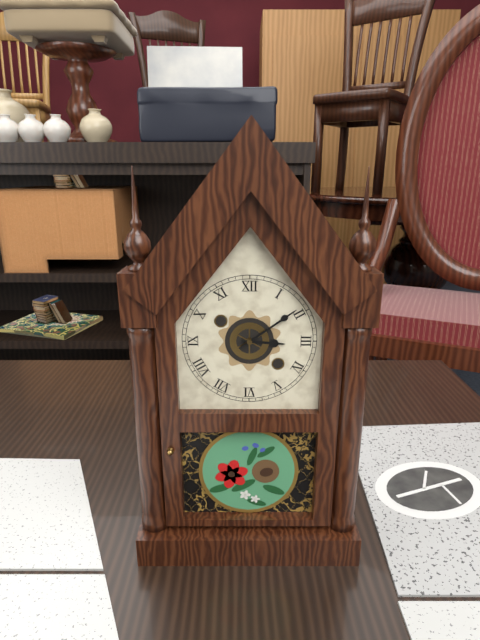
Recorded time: 3.09
